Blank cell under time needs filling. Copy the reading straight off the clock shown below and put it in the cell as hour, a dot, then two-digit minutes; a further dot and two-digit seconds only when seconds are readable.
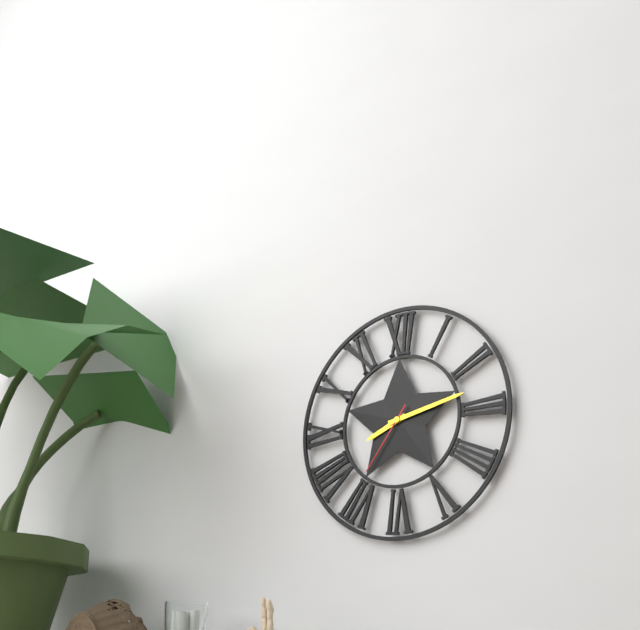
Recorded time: 8.13.36
